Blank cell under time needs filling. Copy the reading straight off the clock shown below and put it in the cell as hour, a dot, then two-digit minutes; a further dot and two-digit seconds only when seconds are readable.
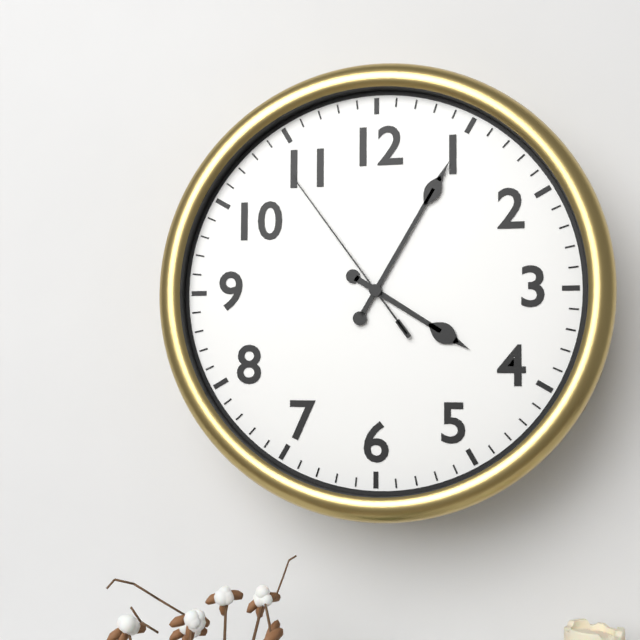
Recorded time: 4.05.54
